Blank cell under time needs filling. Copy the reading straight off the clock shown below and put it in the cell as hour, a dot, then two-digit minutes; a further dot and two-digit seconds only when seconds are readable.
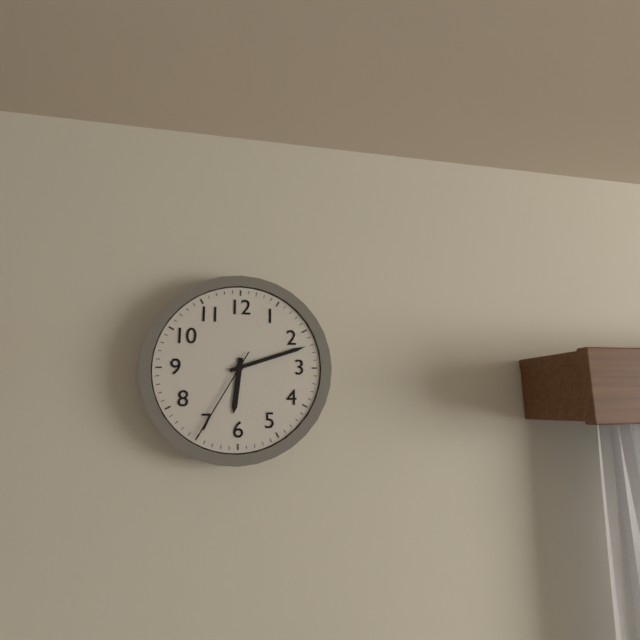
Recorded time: 6.12.35
